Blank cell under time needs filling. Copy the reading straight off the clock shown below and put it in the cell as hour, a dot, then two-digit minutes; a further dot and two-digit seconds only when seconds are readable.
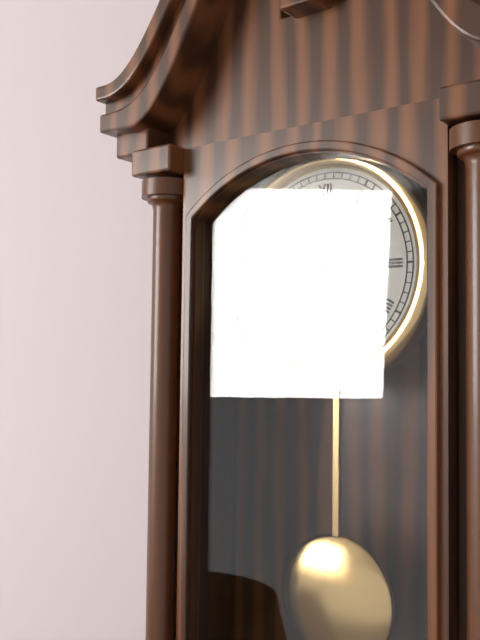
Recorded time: 10.33
